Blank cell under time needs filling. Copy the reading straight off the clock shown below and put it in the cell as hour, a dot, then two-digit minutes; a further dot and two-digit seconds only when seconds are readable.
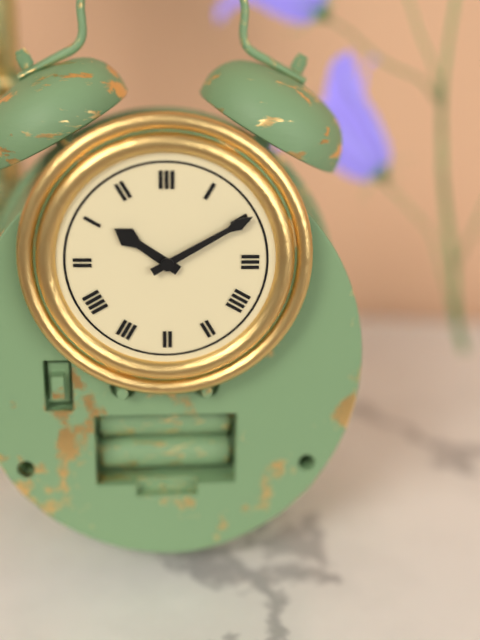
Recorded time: 10.10
